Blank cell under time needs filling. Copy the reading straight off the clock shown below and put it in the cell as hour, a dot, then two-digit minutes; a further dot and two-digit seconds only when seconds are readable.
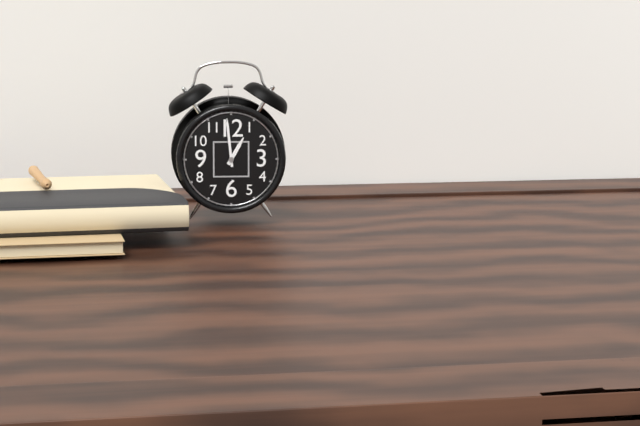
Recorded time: 12.59
